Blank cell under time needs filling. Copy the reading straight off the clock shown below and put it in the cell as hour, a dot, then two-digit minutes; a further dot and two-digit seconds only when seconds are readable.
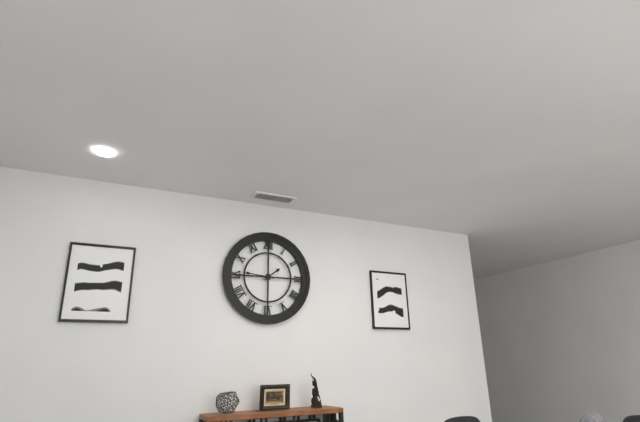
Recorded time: 1.46
